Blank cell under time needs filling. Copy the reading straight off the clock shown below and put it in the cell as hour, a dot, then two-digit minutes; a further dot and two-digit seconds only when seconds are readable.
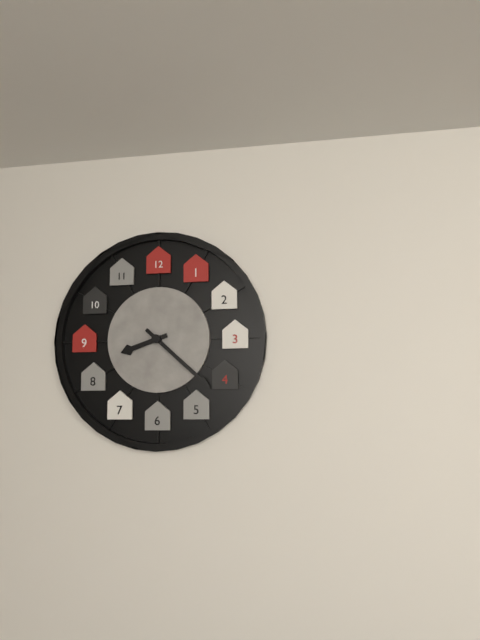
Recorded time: 8.22
